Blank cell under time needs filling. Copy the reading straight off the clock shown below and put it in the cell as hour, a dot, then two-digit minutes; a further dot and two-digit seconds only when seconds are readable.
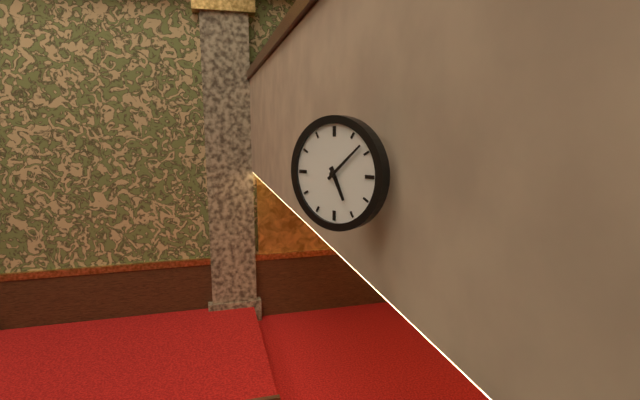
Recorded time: 5.08
